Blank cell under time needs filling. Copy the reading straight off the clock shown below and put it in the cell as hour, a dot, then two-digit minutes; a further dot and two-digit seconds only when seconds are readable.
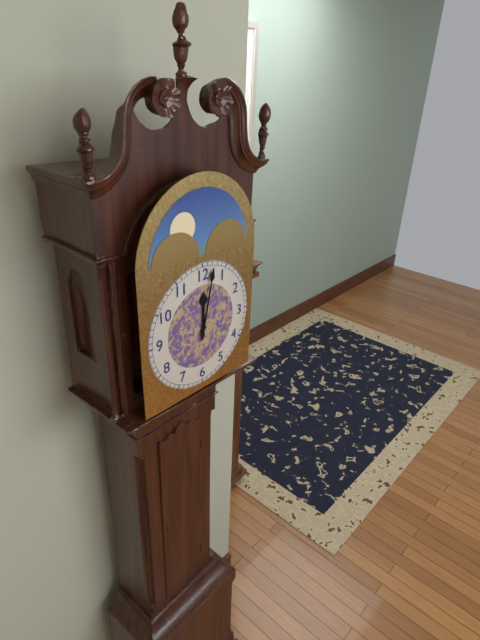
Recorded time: 12.02
